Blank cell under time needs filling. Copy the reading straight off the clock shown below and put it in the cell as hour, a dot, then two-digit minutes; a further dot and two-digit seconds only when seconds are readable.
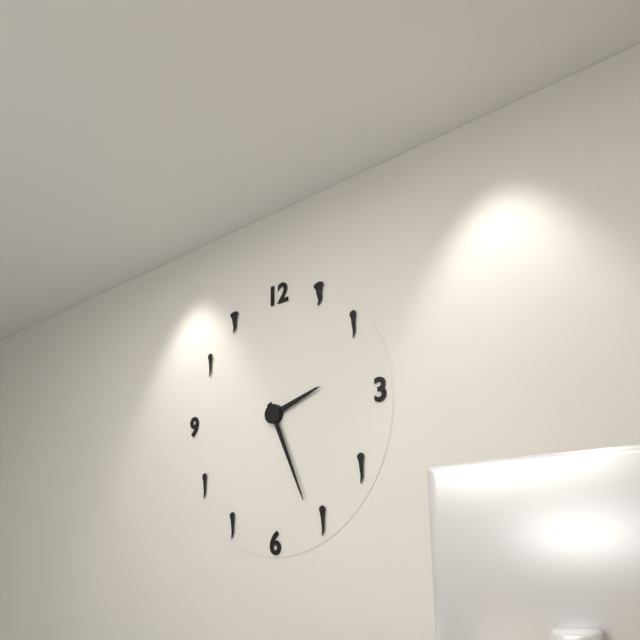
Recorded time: 2.26
